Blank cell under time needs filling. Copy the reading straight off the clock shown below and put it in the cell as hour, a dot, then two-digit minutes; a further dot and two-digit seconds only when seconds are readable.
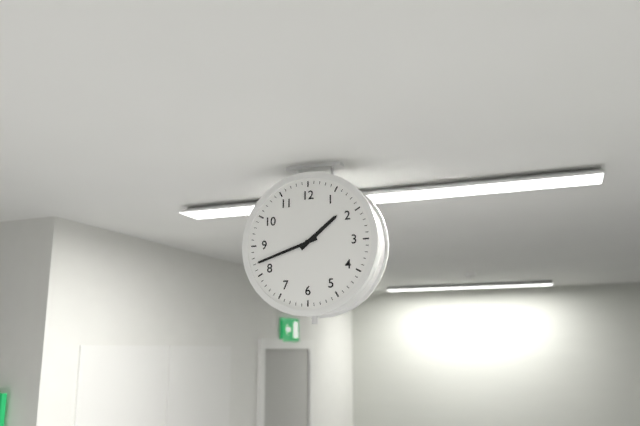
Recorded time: 1.42
